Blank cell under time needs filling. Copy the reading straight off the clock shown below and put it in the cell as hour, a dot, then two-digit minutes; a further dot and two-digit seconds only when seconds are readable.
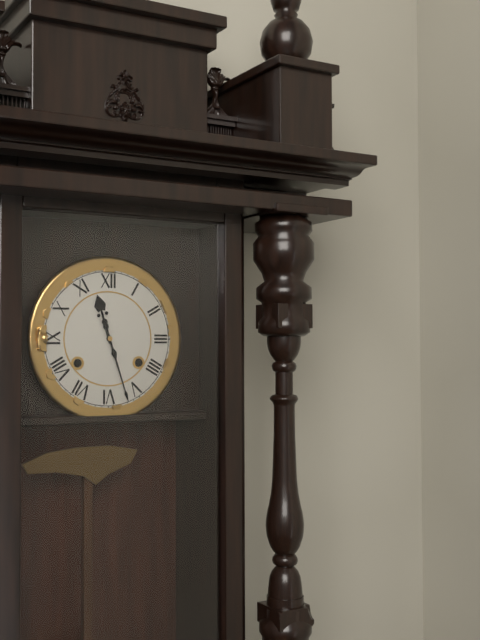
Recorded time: 11.27
